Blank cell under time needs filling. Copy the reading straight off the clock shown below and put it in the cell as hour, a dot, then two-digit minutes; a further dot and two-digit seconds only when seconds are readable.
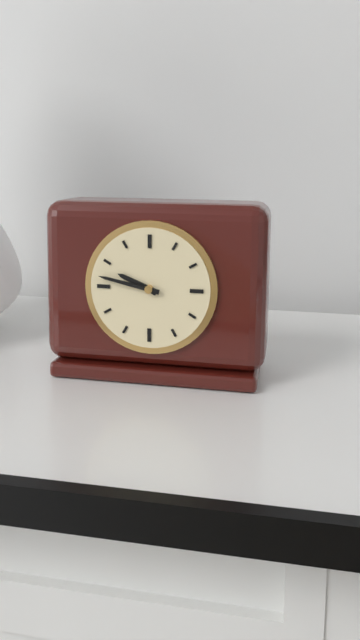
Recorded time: 9.47
